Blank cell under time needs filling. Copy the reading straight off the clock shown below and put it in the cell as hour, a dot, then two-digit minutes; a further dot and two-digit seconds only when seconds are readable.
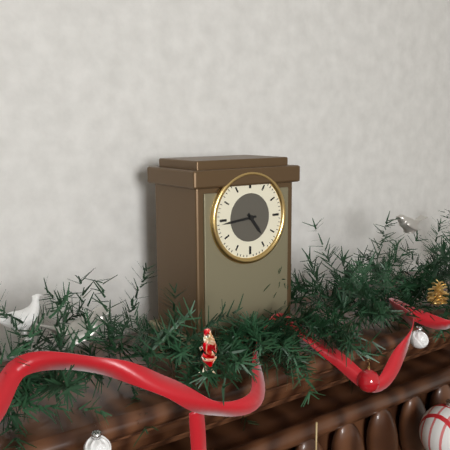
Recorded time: 4.44
